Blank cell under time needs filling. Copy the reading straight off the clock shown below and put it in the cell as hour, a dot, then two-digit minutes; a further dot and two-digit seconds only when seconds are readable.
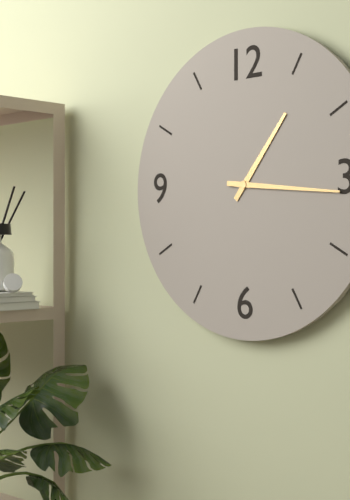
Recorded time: 1.16
